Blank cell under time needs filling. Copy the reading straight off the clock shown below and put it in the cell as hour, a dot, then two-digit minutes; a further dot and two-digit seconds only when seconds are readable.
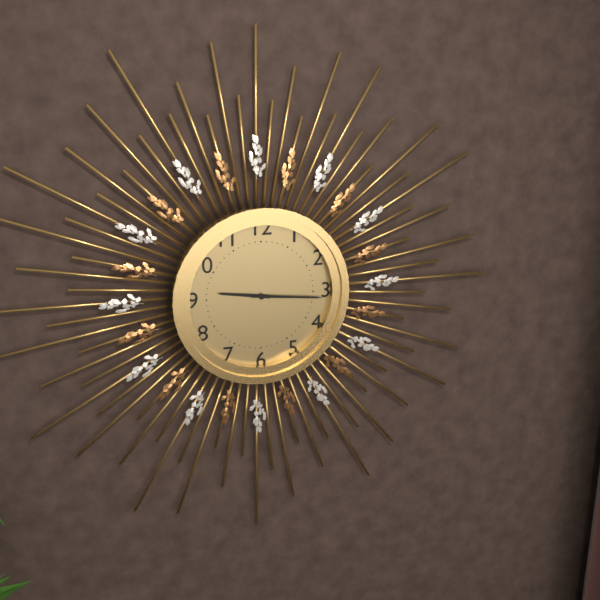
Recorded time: 9.16
